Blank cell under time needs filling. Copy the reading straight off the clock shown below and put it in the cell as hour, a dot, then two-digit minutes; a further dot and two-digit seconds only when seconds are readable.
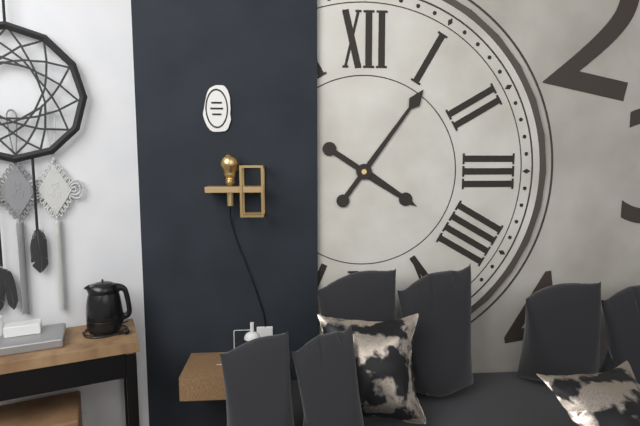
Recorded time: 4.06
